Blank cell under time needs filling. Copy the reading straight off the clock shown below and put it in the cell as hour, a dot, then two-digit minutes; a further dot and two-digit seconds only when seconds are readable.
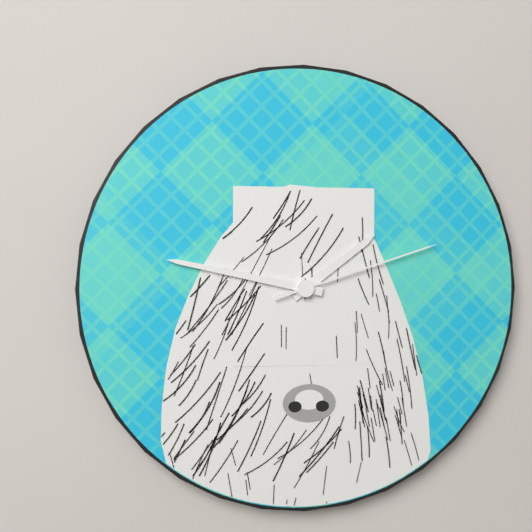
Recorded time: 1.47.12
